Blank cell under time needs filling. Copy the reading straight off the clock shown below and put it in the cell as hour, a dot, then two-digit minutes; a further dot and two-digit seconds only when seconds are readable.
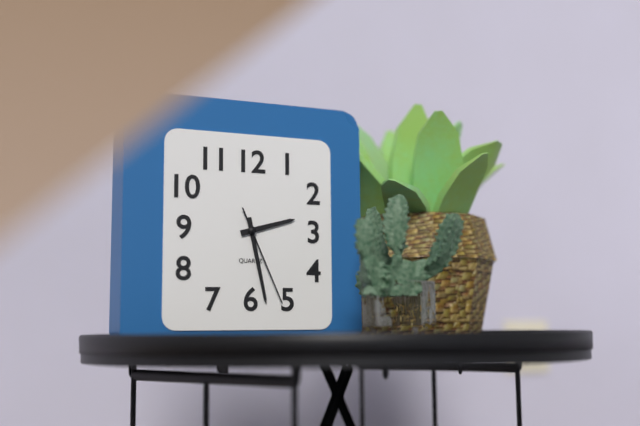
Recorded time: 2.28.26
